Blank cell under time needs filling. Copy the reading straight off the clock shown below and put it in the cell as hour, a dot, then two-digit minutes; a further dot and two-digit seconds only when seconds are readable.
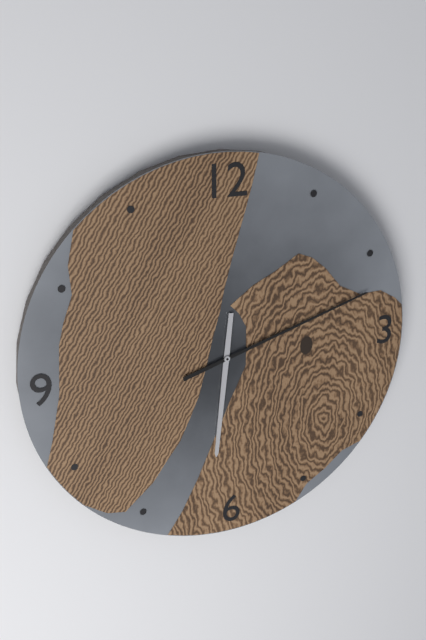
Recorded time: 6.12
